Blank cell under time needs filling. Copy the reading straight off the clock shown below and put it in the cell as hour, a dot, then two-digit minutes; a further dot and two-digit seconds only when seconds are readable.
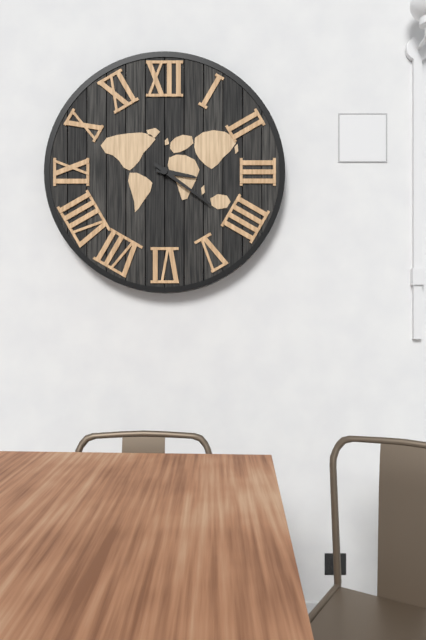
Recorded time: 3.21
